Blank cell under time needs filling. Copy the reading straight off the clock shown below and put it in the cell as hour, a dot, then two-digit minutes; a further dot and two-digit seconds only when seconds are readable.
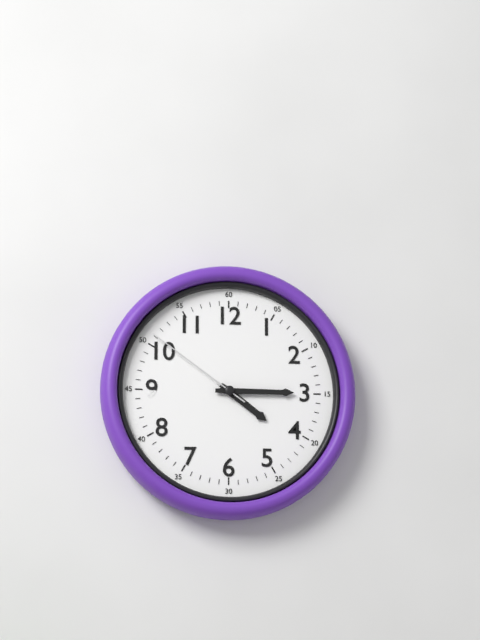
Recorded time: 4.15.51
